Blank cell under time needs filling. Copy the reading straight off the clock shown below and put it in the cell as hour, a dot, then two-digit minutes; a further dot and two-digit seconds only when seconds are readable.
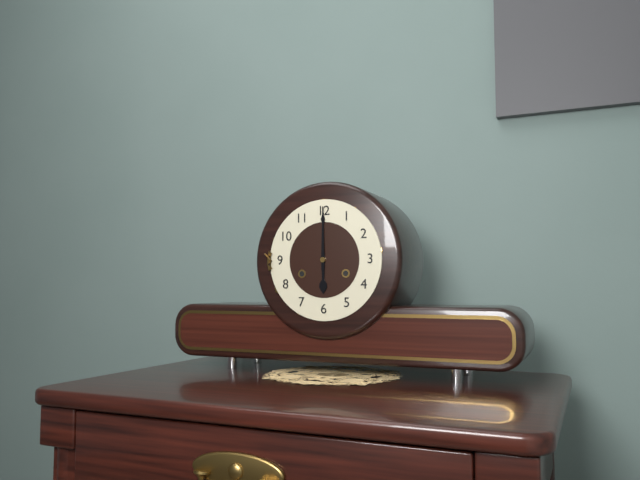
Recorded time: 6.00
